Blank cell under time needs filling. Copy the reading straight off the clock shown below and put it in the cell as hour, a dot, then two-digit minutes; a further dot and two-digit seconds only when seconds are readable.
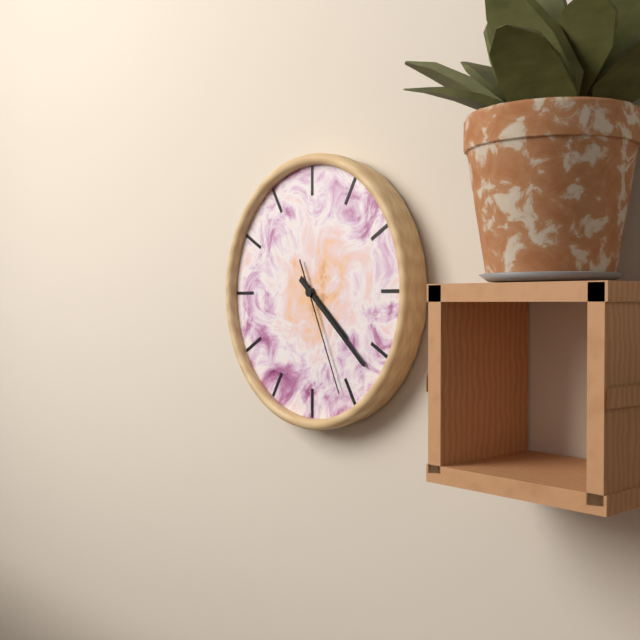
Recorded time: 4.22.26
